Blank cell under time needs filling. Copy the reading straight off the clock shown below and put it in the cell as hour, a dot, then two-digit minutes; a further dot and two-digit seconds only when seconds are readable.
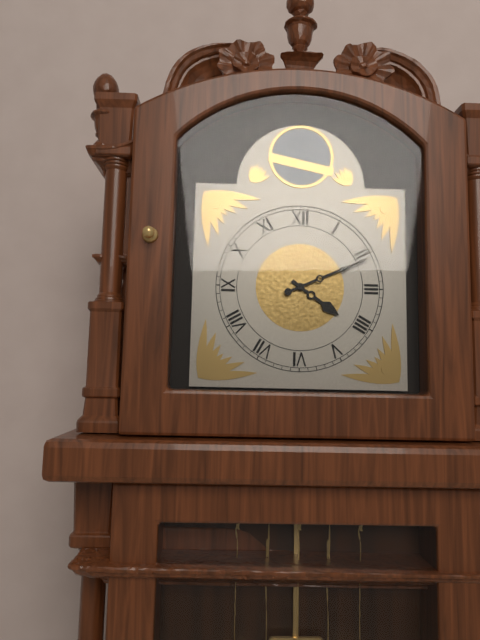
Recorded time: 4.11
